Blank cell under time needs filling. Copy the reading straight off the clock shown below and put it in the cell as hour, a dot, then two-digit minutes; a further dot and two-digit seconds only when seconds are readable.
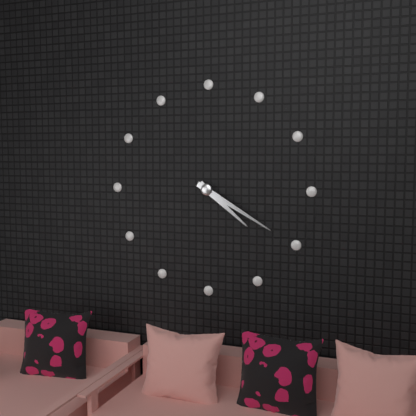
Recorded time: 4.20
